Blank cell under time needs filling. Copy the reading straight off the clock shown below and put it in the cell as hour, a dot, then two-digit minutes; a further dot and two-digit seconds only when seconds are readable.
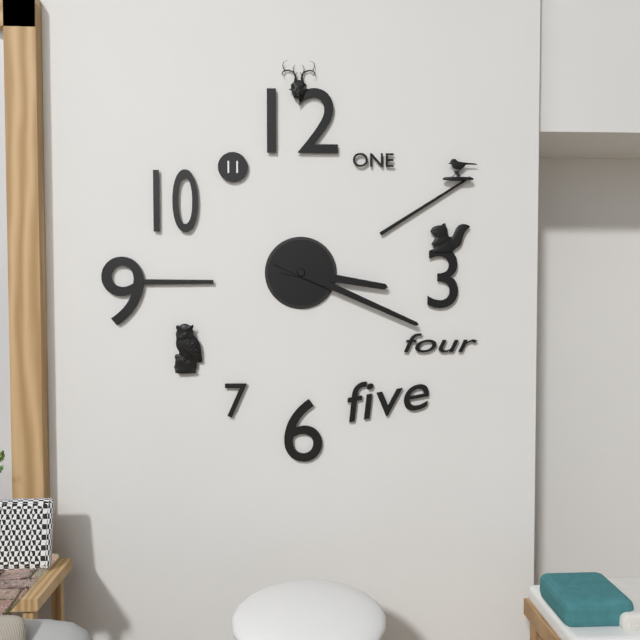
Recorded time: 3.19
